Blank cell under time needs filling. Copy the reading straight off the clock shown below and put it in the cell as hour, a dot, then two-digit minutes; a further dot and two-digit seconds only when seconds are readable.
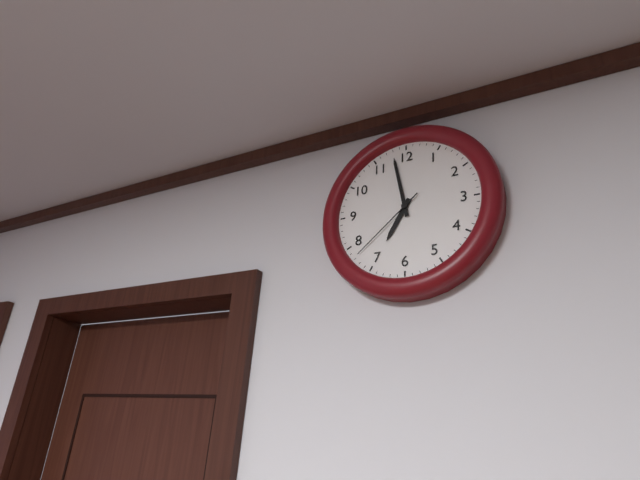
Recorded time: 6.58.38
